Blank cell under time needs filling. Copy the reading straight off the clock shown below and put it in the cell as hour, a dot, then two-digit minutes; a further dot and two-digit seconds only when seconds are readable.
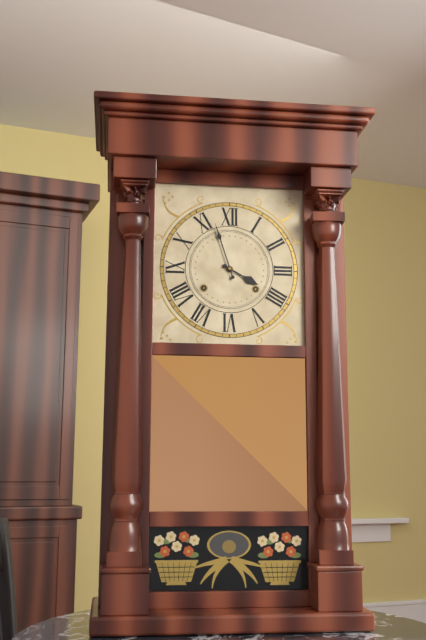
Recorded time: 3.57
